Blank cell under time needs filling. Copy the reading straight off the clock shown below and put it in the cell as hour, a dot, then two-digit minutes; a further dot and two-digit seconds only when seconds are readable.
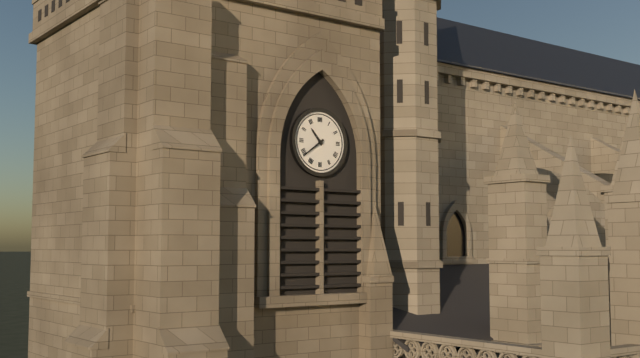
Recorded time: 10.39
